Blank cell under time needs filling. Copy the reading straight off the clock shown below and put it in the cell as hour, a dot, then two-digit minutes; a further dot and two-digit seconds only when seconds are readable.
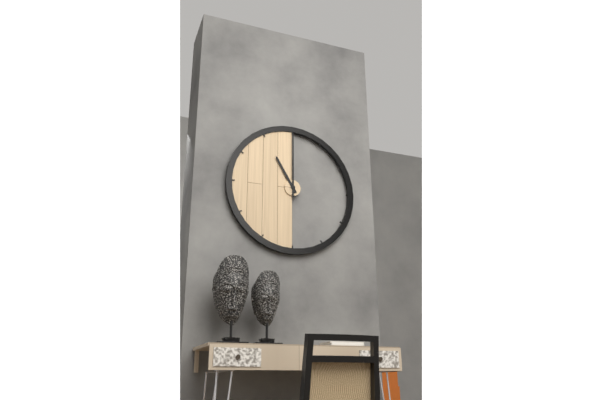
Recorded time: 11.00
